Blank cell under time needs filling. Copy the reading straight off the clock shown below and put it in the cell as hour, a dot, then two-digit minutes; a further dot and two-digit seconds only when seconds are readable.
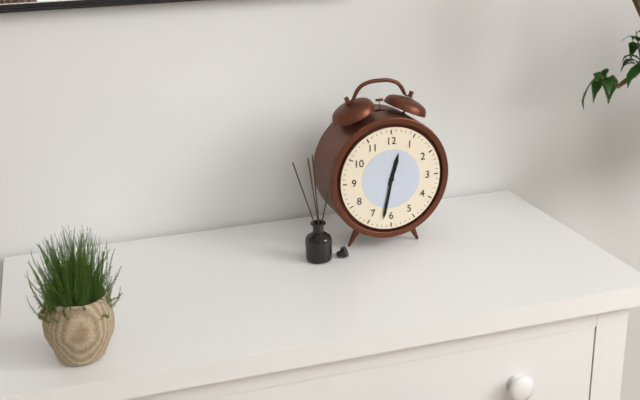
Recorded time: 12.32
